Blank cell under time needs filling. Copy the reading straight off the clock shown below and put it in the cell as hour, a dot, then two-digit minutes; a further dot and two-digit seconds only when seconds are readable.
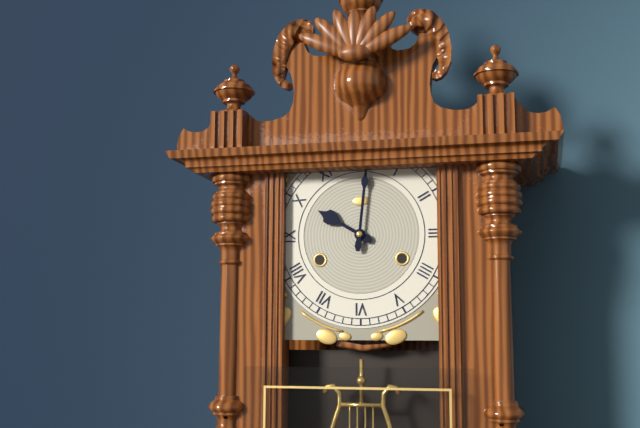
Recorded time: 10.01
